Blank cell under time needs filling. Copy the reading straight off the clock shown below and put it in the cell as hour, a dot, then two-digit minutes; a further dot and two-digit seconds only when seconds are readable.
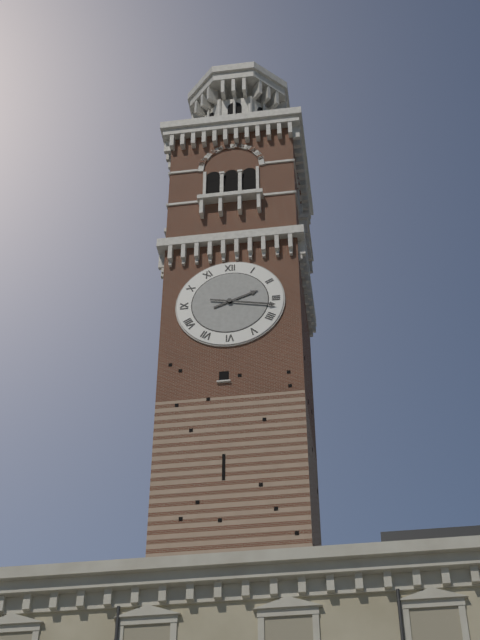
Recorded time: 2.17
